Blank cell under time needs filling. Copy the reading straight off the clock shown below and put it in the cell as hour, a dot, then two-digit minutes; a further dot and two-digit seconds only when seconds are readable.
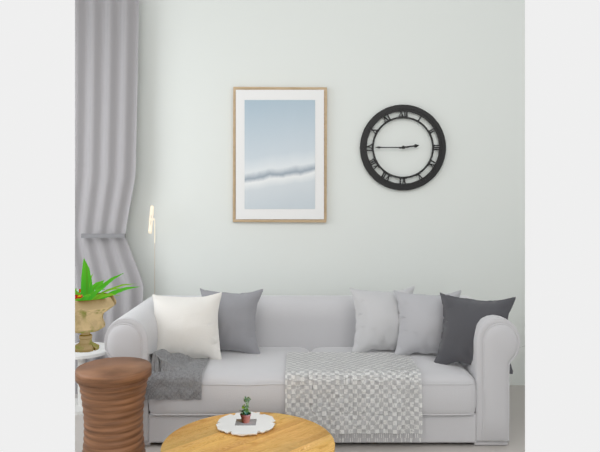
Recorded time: 2.45
